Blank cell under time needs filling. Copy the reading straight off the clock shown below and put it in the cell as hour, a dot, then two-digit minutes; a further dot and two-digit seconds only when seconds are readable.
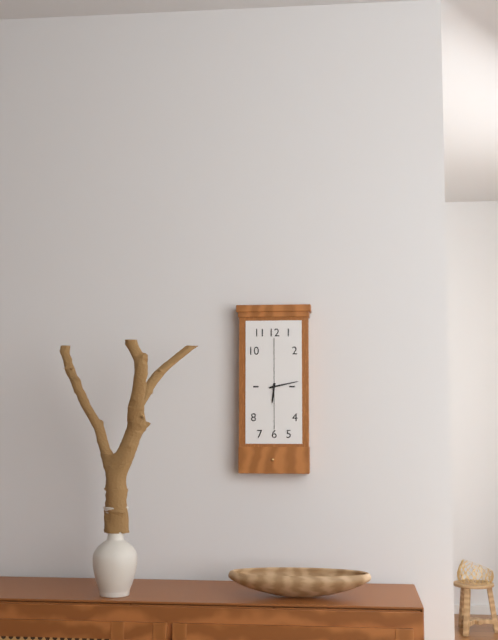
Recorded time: 6.13
